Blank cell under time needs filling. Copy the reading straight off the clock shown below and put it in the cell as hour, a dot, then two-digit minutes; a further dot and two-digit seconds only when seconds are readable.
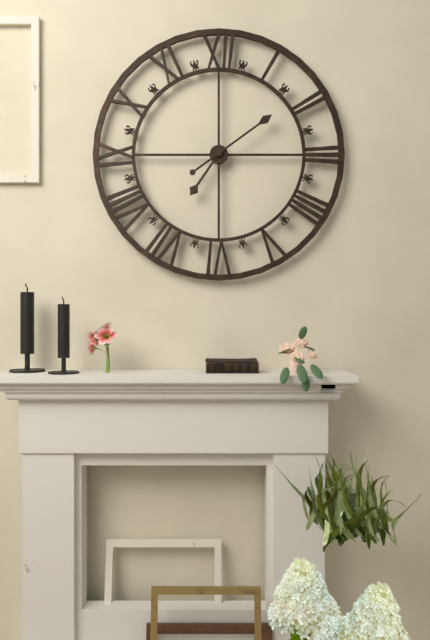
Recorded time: 7.09
